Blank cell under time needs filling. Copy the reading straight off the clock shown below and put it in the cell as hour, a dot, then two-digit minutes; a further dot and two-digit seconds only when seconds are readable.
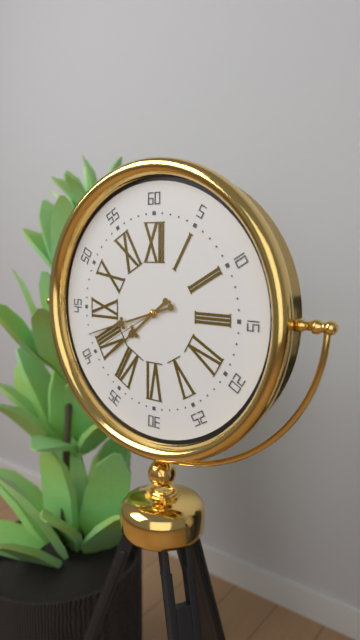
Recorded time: 7.42.40
